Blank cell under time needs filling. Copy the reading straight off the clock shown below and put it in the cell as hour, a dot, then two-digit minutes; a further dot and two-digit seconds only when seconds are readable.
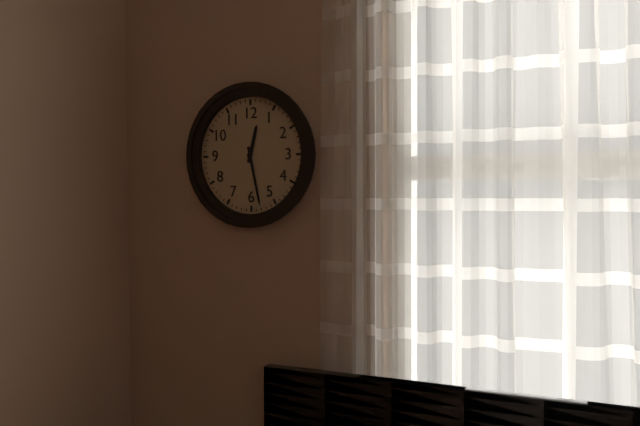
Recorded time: 12.28
